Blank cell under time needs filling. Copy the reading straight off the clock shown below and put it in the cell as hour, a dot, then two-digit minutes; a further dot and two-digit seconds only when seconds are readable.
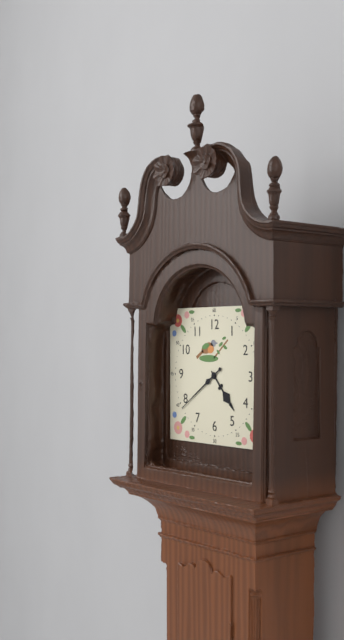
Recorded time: 4.39
